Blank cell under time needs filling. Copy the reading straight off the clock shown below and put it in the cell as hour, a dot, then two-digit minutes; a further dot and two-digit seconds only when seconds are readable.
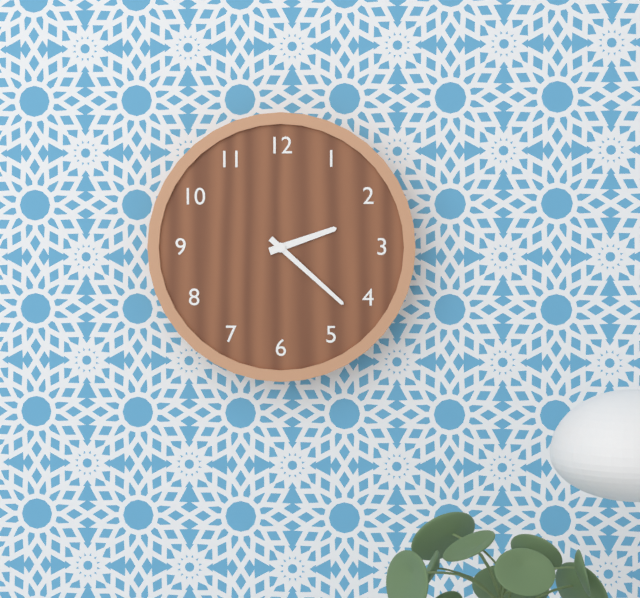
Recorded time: 2.22
